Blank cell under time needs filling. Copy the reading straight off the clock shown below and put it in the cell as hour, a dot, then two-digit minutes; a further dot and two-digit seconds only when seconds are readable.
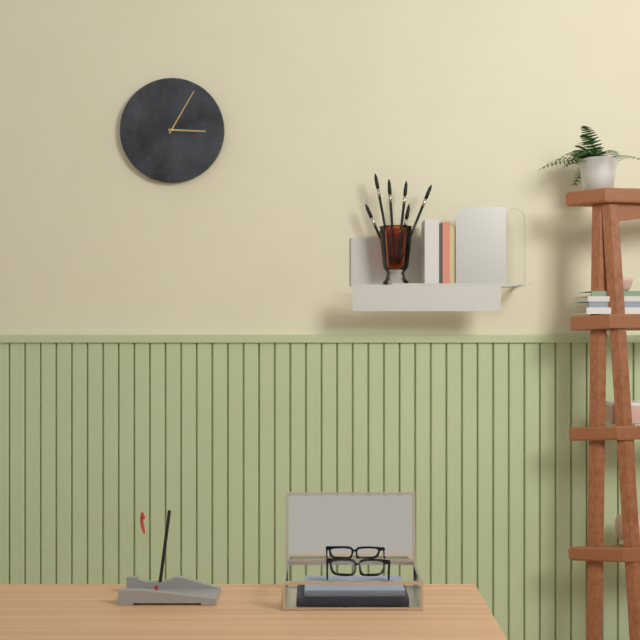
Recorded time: 3.05
